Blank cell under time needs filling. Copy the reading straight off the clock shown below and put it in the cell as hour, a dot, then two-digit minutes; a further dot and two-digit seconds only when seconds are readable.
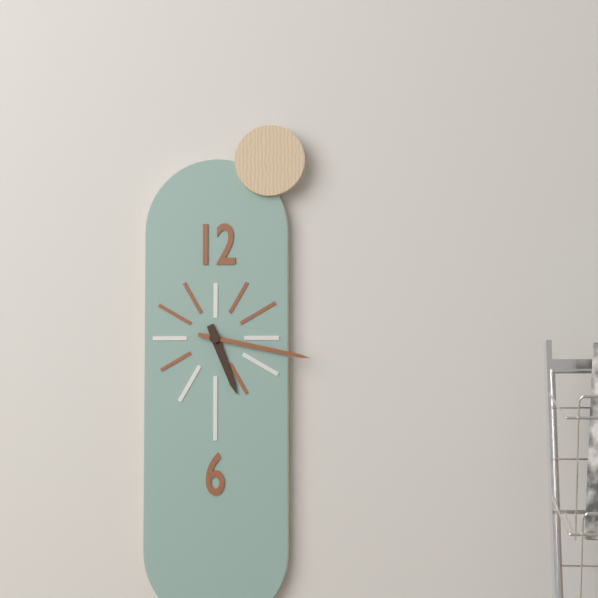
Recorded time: 5.17
